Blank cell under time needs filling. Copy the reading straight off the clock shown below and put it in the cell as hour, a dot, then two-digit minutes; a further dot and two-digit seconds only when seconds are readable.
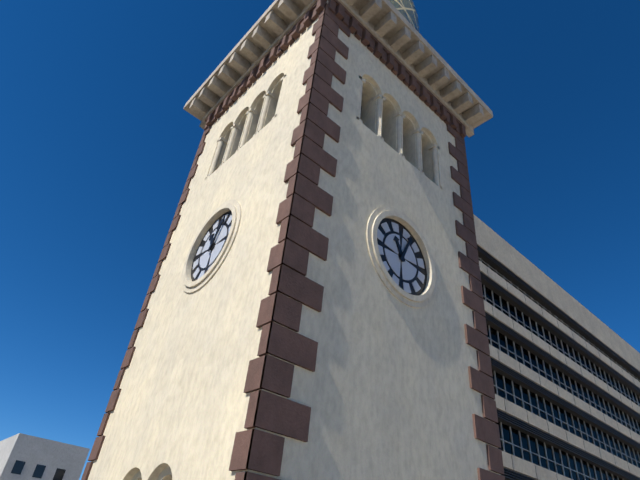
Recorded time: 11.04
